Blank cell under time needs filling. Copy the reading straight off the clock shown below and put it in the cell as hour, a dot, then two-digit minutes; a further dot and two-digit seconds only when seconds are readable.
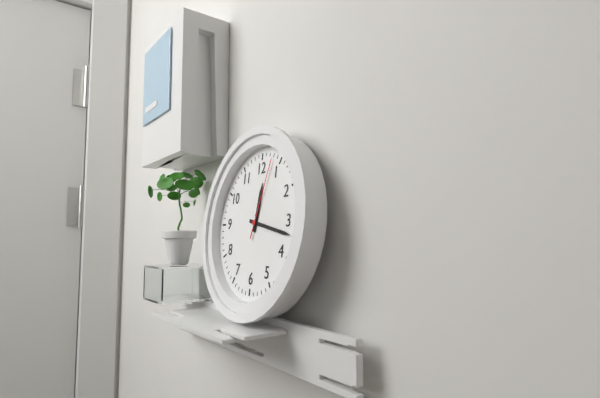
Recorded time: 12.17.03
